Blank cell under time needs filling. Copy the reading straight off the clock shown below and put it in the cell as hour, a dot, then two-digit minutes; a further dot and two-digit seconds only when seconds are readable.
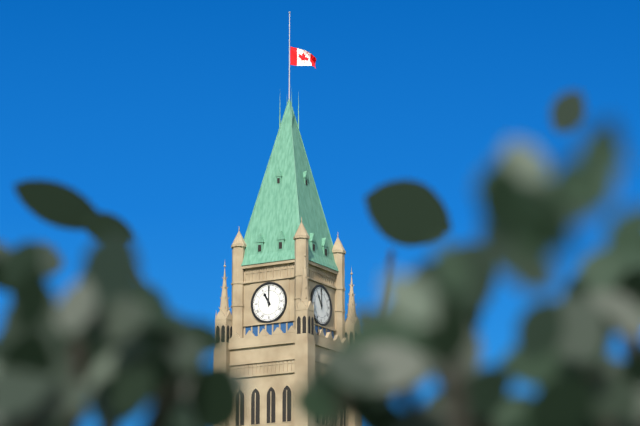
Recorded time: 11.00
